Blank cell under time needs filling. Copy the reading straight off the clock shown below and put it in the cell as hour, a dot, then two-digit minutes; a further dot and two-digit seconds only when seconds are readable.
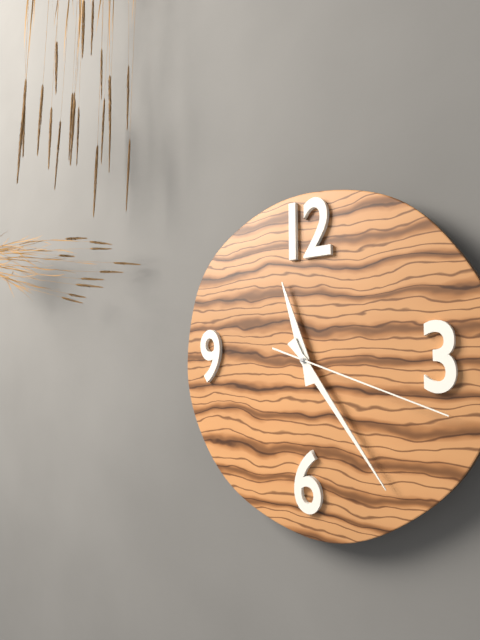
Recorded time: 11.24.18
